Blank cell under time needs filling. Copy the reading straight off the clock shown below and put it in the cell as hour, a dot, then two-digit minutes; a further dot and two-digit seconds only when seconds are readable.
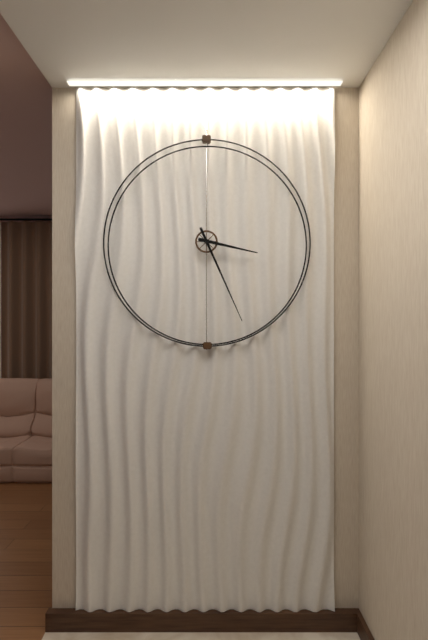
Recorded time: 3.26
